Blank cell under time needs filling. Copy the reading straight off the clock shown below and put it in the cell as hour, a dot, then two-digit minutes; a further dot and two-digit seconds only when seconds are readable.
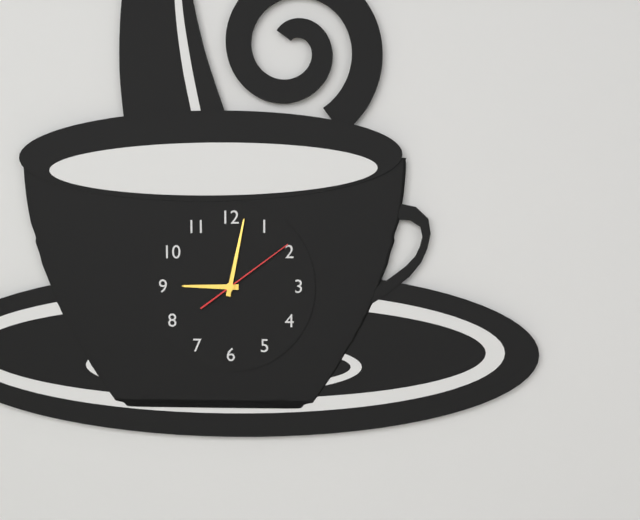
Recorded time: 9.02.09
